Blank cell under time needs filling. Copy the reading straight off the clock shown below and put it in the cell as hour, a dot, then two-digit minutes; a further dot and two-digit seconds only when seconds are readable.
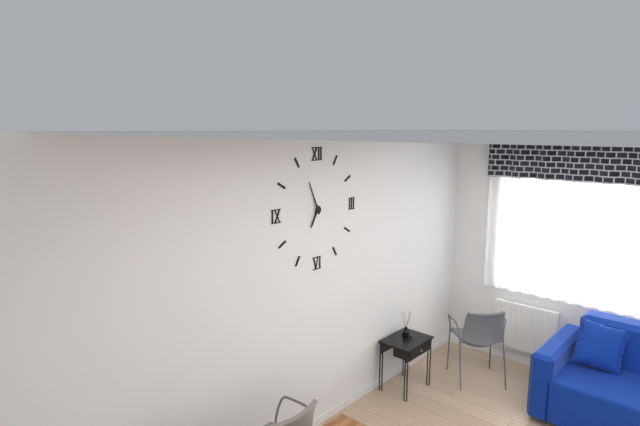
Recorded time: 6.56
